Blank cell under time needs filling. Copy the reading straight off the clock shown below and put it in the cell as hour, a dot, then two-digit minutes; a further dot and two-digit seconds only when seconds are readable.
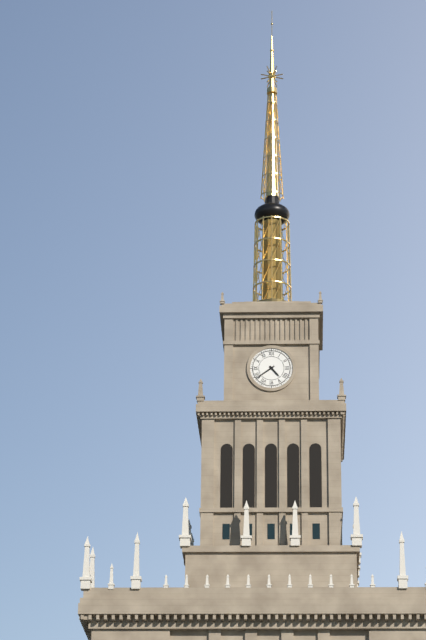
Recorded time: 4.39
